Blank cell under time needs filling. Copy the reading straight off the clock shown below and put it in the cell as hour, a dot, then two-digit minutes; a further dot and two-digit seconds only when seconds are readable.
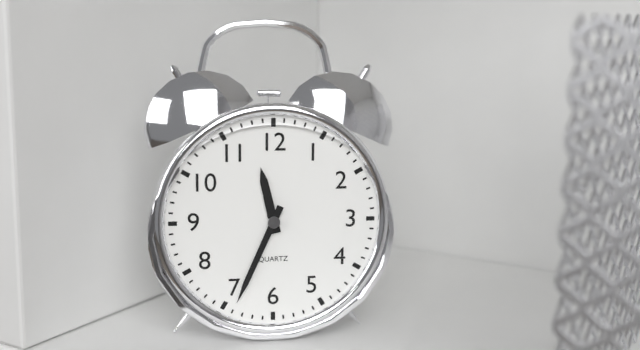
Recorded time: 11.34
